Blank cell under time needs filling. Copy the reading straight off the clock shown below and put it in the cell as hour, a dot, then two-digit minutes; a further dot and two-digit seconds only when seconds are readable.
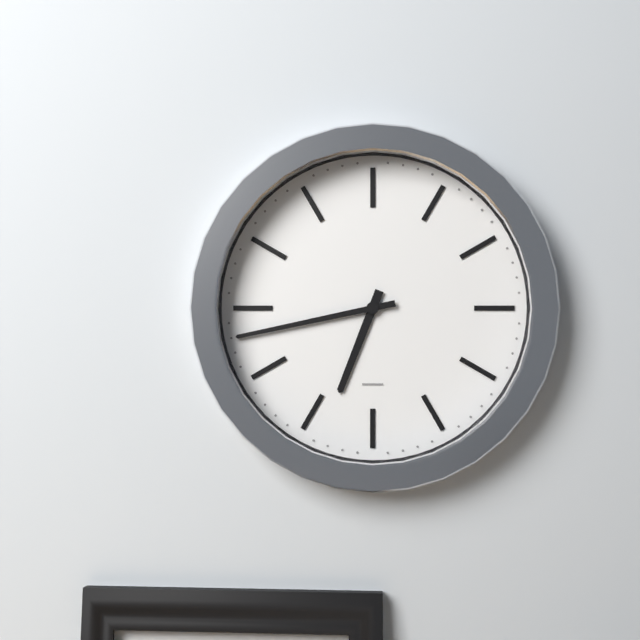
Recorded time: 6.43
